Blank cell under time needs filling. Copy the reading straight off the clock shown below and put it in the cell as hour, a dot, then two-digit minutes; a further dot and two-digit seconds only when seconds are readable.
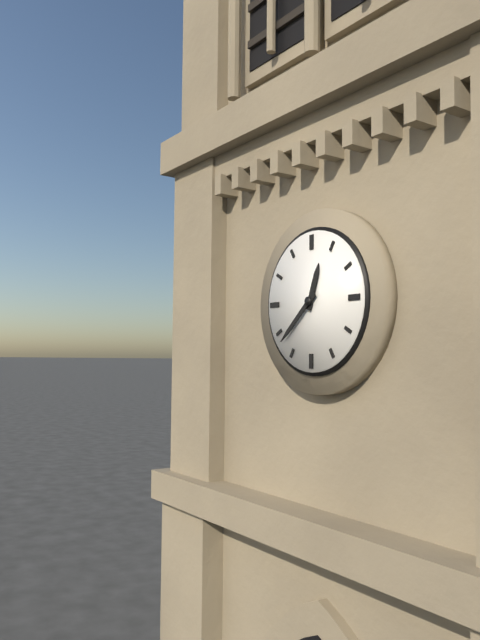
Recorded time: 12.38
